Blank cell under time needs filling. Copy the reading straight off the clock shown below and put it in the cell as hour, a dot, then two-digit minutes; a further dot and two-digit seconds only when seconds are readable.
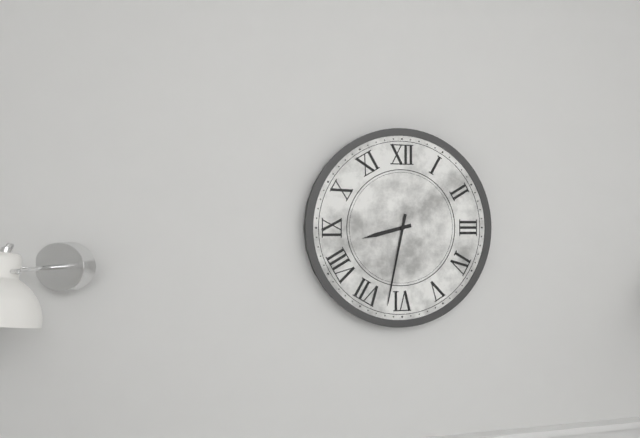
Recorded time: 8.32
